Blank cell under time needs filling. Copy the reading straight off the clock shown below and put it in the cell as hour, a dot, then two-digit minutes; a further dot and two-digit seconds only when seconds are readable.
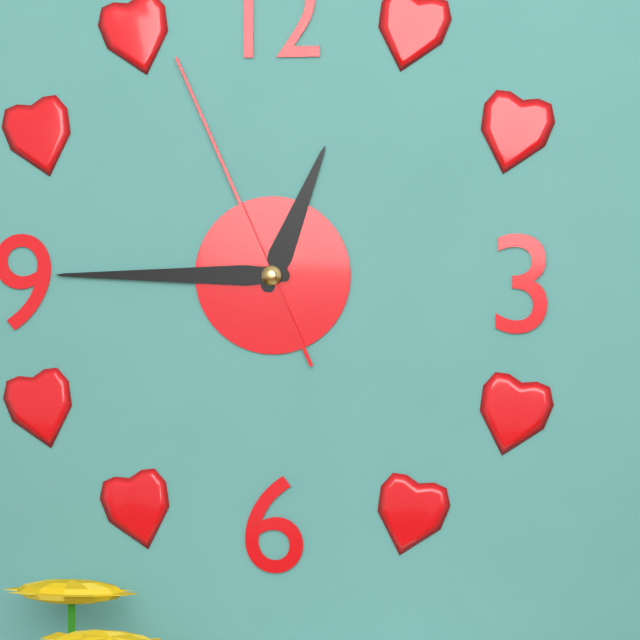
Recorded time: 12.45.56
